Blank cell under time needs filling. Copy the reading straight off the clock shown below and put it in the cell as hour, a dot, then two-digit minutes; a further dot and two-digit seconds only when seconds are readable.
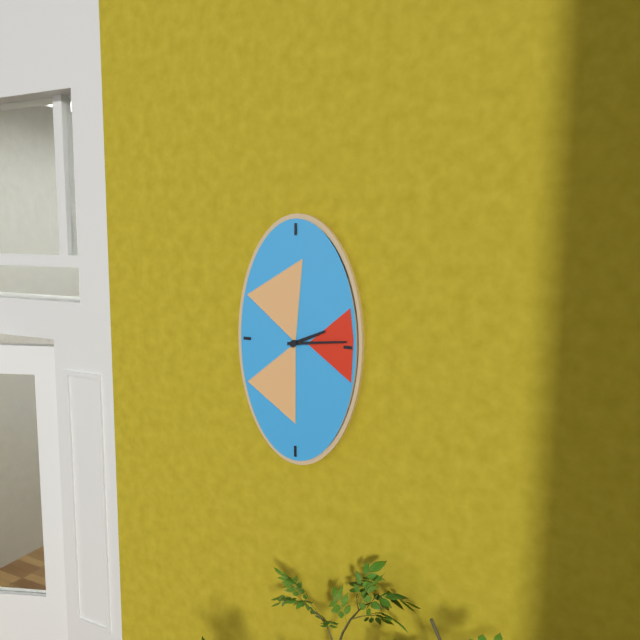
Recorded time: 2.14
